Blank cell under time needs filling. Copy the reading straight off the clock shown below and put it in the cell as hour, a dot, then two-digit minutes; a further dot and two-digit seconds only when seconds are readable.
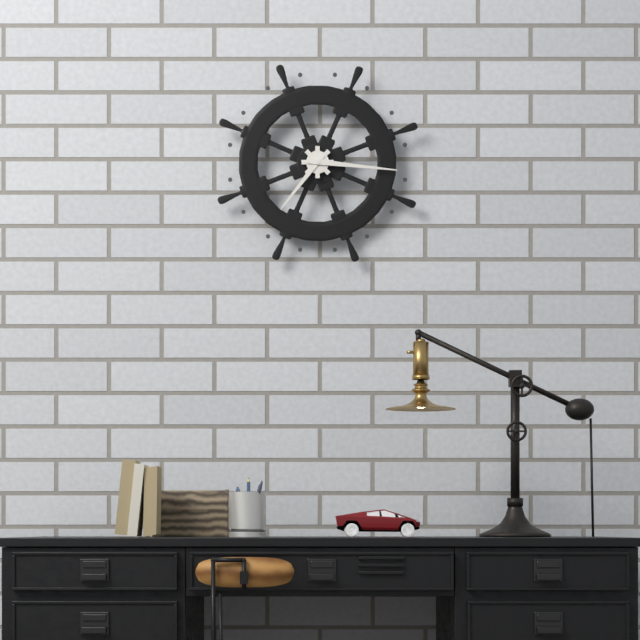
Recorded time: 7.16
